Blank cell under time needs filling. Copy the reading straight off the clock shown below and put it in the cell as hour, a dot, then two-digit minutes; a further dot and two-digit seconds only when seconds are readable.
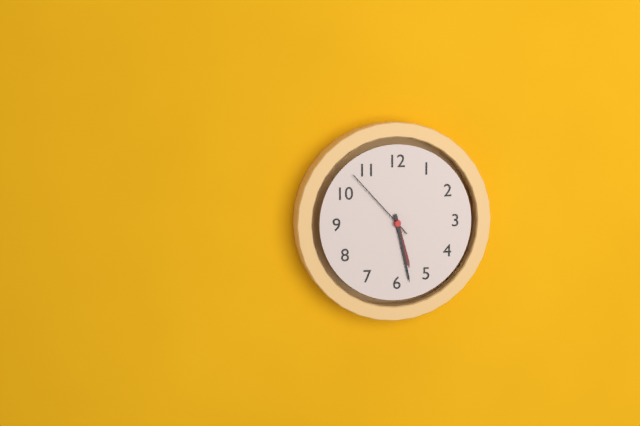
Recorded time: 5.28.53
